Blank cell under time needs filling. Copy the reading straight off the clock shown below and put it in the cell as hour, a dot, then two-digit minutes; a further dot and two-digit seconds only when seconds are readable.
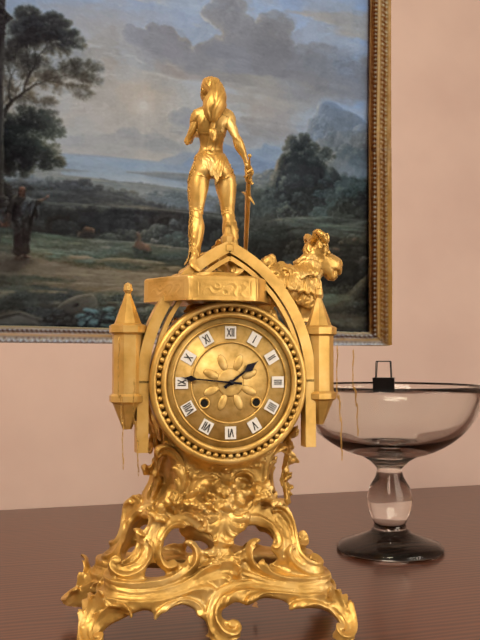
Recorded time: 1.46
